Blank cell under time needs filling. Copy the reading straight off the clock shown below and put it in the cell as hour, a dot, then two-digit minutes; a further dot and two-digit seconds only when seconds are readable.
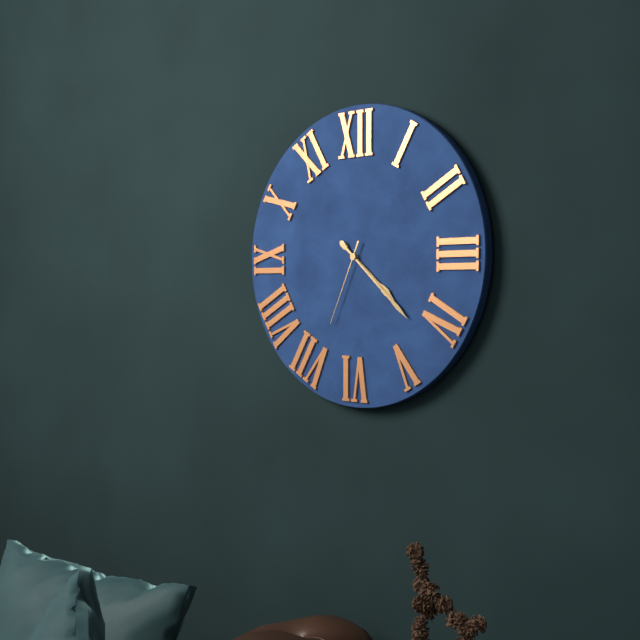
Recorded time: 4.22.34
